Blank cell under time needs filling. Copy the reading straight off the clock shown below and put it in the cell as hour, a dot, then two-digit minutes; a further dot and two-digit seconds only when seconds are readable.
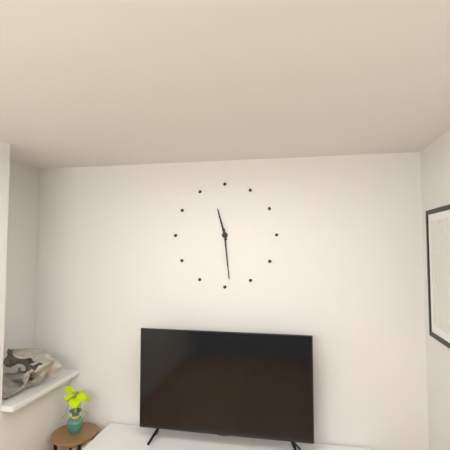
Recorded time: 11.29
